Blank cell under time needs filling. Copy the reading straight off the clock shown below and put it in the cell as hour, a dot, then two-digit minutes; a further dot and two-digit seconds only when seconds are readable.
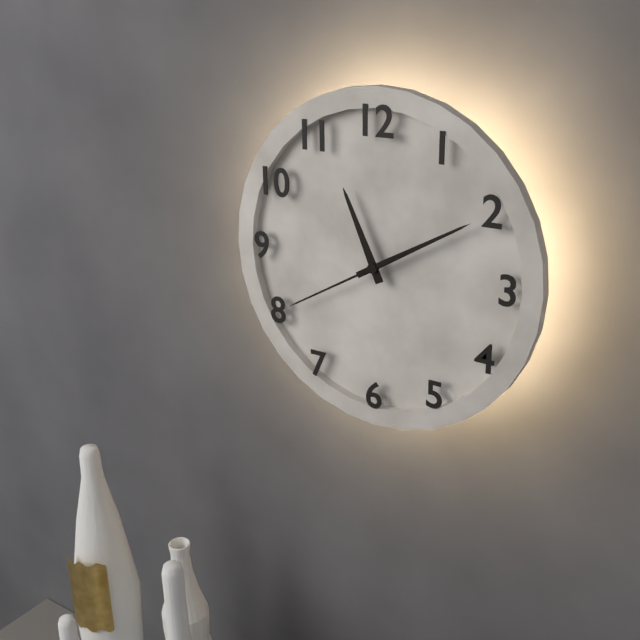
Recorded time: 11.10.40
